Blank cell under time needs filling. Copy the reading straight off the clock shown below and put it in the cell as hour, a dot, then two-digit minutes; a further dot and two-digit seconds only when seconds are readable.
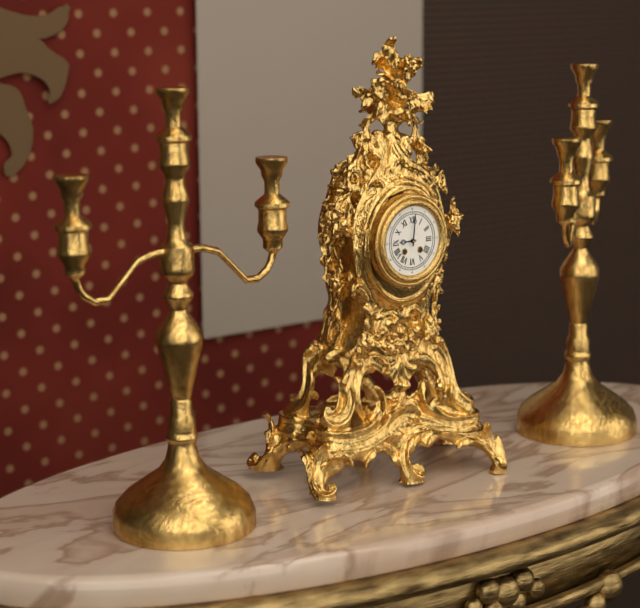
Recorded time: 9.01
